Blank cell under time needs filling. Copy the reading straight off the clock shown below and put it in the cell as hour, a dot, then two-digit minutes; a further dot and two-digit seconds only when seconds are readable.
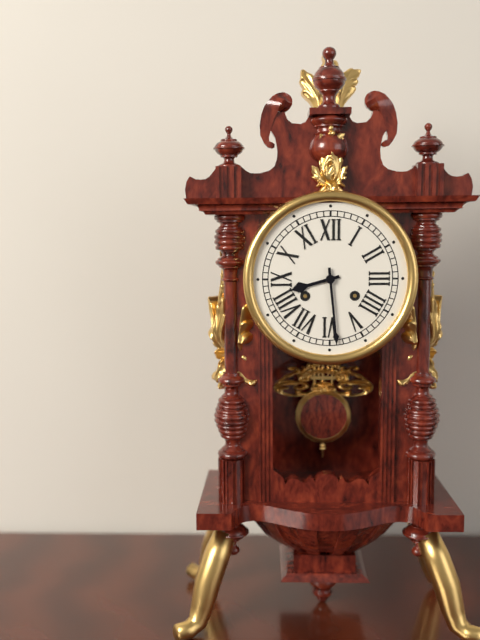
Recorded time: 8.29
